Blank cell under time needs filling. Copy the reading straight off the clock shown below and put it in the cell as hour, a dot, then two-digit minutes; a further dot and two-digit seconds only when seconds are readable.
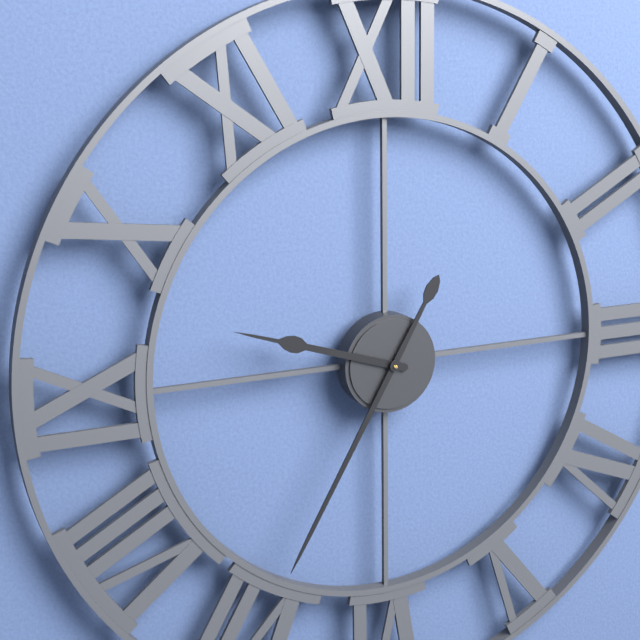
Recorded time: 9.35
